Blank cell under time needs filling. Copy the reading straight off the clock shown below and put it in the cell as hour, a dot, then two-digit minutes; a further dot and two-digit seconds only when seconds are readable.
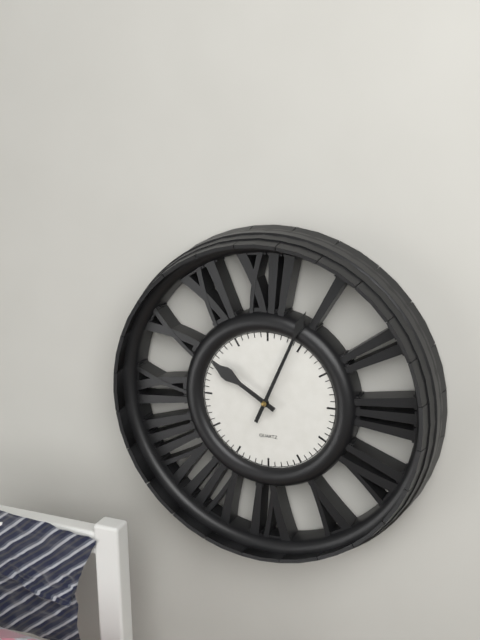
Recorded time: 10.04
